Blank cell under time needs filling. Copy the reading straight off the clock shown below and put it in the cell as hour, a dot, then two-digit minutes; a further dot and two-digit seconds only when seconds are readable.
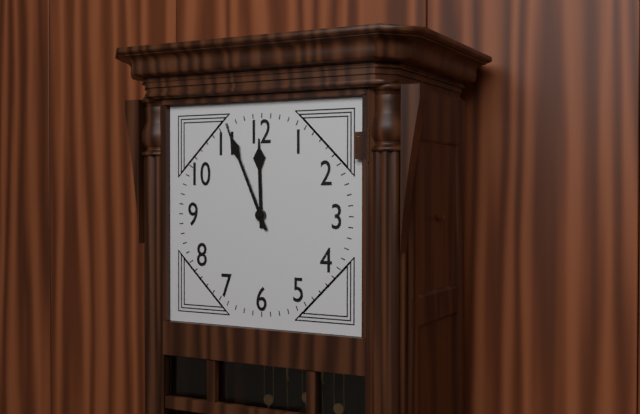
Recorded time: 11.56
